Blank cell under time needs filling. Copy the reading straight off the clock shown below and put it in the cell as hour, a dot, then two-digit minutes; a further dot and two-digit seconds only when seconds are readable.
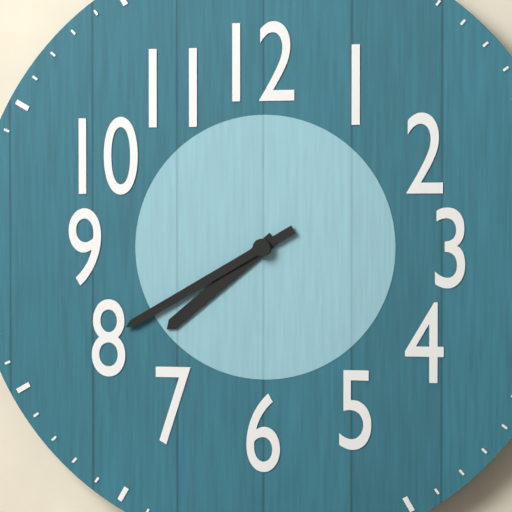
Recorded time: 7.40
